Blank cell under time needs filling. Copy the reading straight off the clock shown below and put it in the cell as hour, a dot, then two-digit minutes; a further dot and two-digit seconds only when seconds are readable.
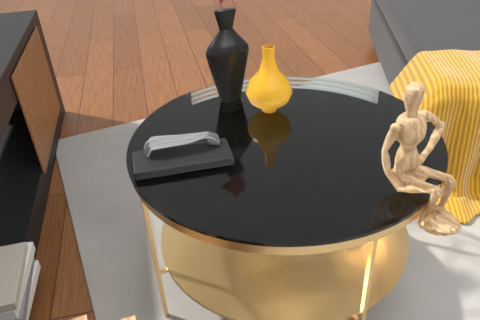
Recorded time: 12.35
